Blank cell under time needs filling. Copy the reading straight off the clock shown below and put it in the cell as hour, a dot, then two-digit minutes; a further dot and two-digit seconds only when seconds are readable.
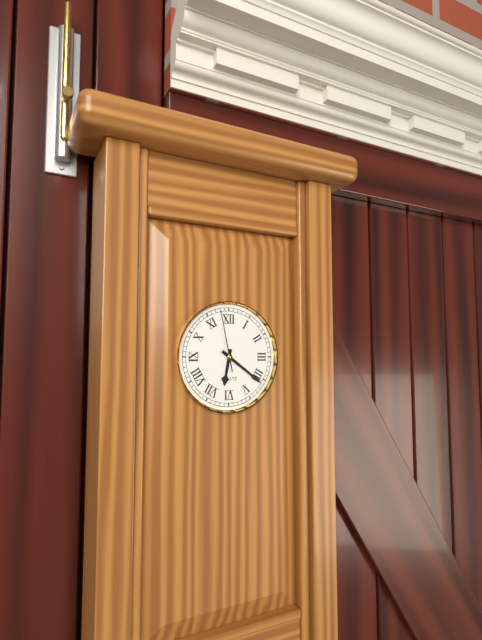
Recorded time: 6.21.58
